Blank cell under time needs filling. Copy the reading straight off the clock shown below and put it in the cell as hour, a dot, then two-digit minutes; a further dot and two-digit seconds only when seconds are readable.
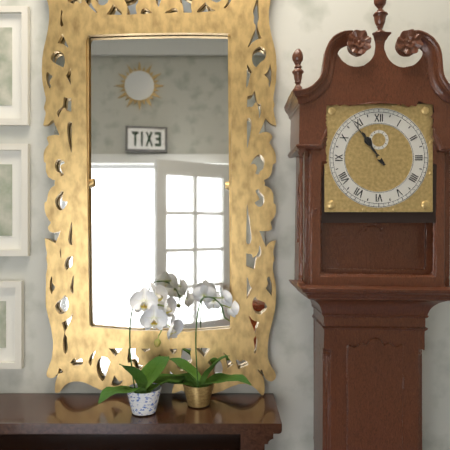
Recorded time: 10.54
